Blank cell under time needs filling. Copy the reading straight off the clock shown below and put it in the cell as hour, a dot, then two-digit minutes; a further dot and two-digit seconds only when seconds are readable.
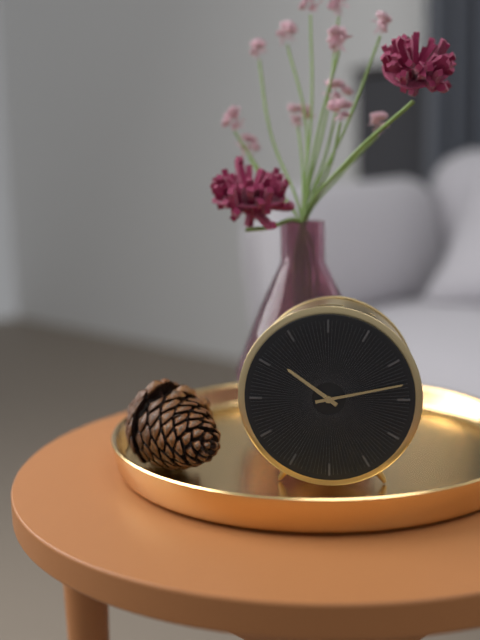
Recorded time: 10.13
